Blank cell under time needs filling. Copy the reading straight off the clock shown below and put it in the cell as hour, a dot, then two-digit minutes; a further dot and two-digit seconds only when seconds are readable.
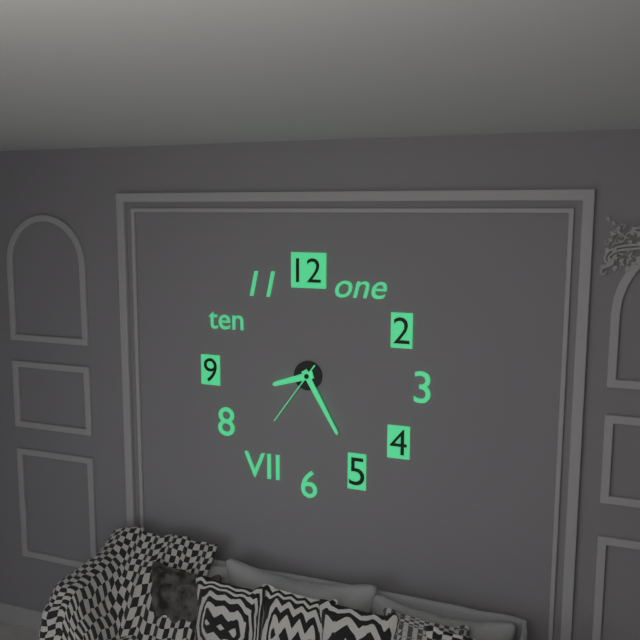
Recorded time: 8.25.36
